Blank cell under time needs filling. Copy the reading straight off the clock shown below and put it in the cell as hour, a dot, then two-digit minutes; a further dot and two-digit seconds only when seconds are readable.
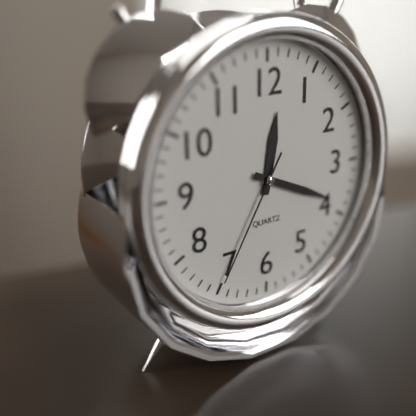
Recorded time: 12.19.35
